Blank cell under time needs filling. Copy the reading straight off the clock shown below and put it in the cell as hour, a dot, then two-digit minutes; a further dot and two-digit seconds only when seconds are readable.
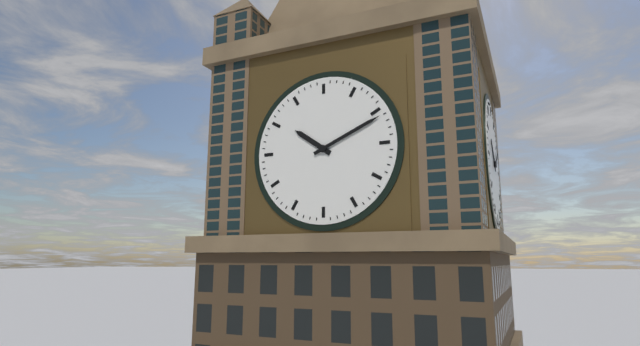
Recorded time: 10.11
